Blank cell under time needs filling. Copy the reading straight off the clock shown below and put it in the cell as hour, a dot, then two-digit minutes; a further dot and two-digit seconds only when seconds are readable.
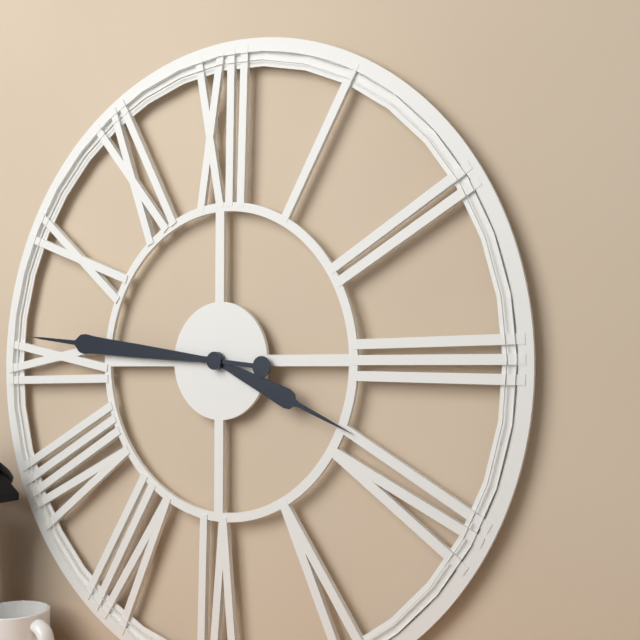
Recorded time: 3.46
